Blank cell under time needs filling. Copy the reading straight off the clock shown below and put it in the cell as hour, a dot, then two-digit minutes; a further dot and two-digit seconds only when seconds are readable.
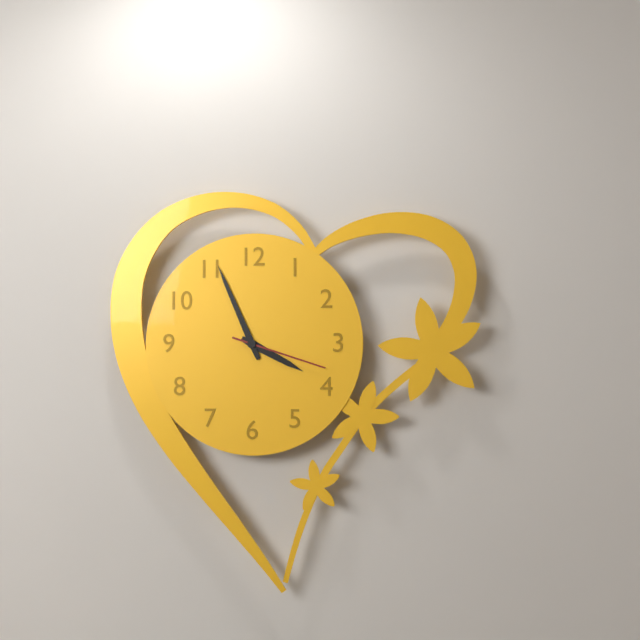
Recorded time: 3.56.18
